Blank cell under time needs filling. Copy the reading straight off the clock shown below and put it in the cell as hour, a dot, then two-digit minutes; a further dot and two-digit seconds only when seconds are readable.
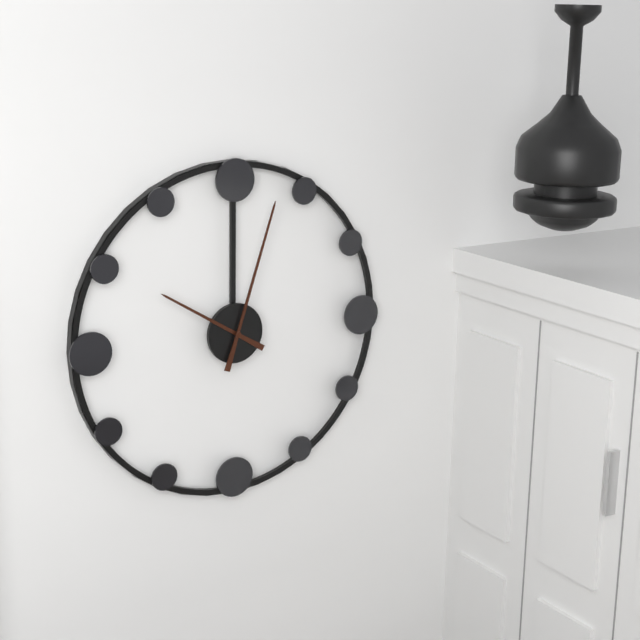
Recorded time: 10.03
